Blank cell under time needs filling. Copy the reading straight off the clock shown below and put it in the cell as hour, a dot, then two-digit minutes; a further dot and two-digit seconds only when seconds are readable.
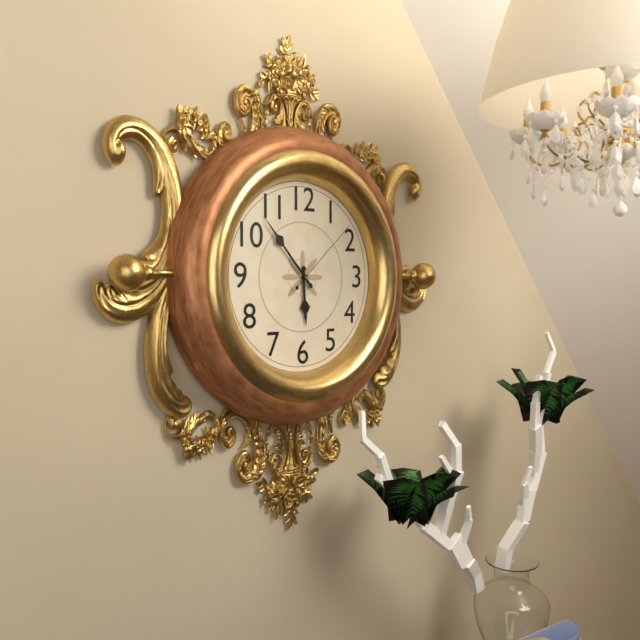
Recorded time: 5.53.08
